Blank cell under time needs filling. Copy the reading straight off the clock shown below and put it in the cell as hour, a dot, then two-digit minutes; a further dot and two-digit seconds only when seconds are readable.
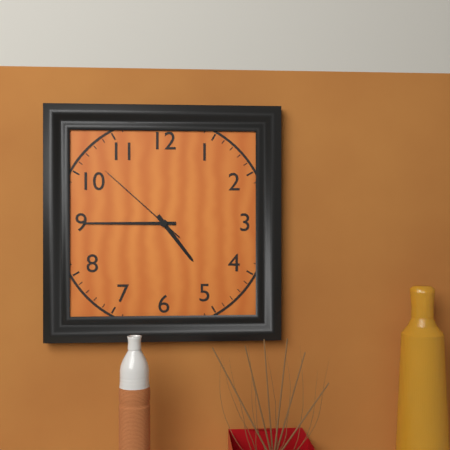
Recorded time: 4.45.52
